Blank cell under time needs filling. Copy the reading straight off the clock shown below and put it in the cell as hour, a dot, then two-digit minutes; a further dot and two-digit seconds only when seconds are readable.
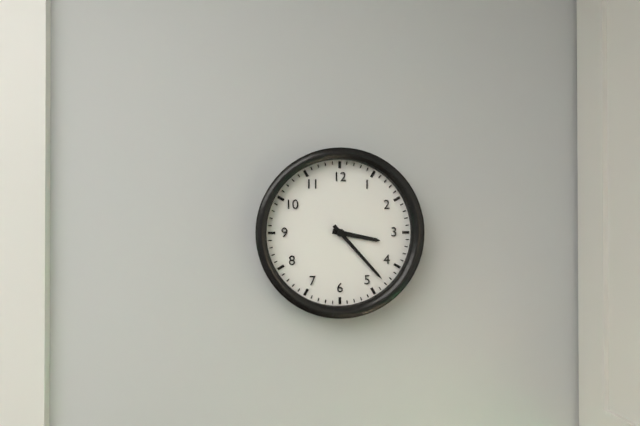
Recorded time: 3.23
